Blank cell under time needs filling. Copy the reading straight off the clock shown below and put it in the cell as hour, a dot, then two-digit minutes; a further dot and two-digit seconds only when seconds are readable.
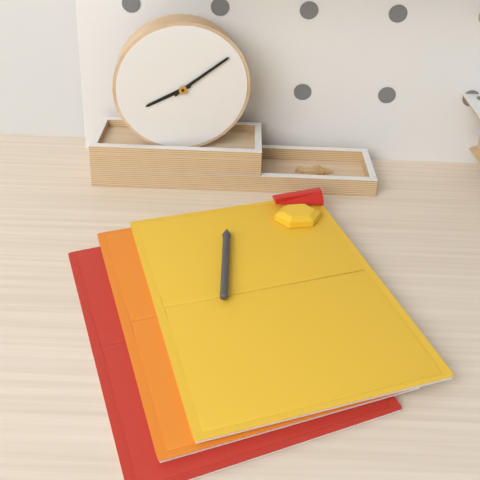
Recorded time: 8.09
